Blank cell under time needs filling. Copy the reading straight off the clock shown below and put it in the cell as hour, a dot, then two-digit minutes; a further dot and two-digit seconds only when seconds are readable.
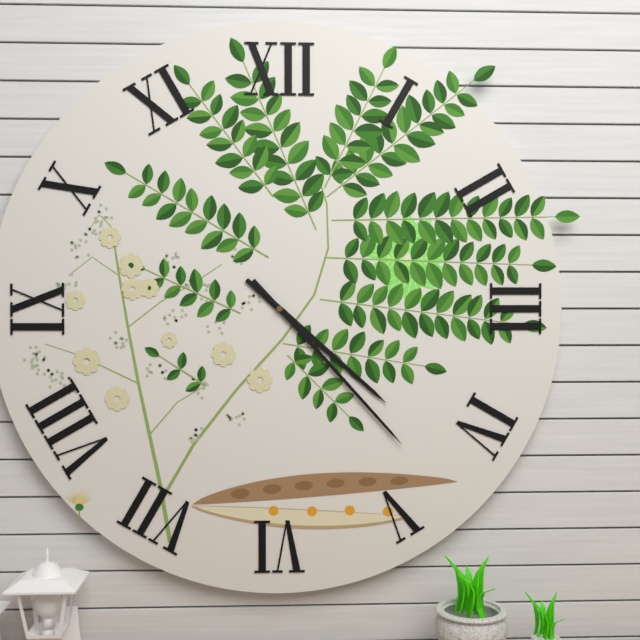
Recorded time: 4.23
